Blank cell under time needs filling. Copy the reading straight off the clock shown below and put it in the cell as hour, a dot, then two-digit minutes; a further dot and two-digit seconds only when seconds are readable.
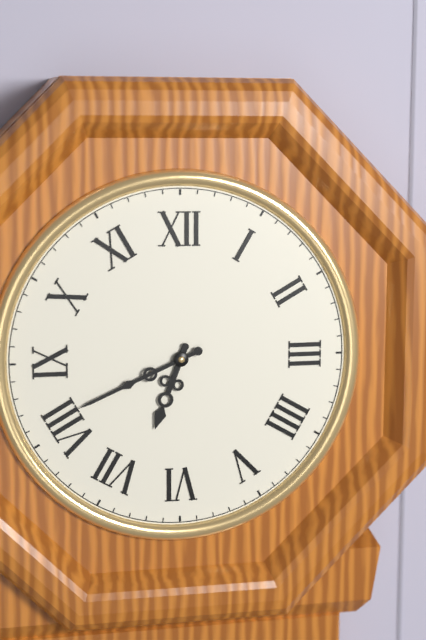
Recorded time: 6.41
